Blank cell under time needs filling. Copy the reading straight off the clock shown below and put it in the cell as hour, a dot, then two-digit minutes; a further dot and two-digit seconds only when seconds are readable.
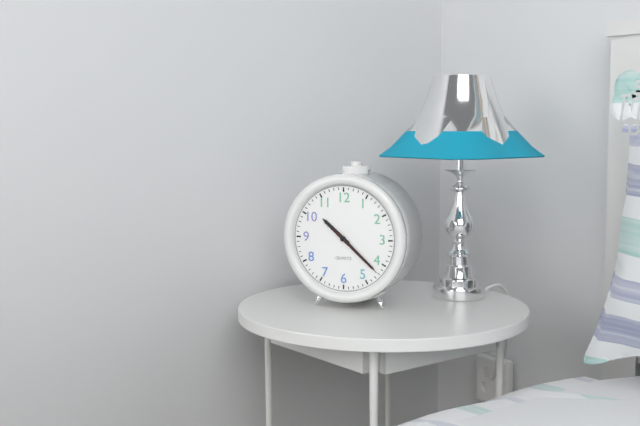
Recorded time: 10.22.22
